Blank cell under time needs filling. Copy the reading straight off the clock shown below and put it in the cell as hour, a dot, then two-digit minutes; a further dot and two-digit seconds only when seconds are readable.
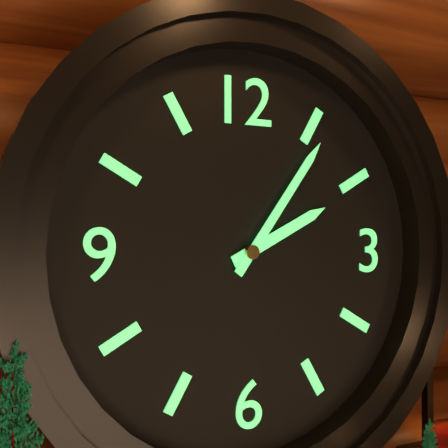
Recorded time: 2.06
